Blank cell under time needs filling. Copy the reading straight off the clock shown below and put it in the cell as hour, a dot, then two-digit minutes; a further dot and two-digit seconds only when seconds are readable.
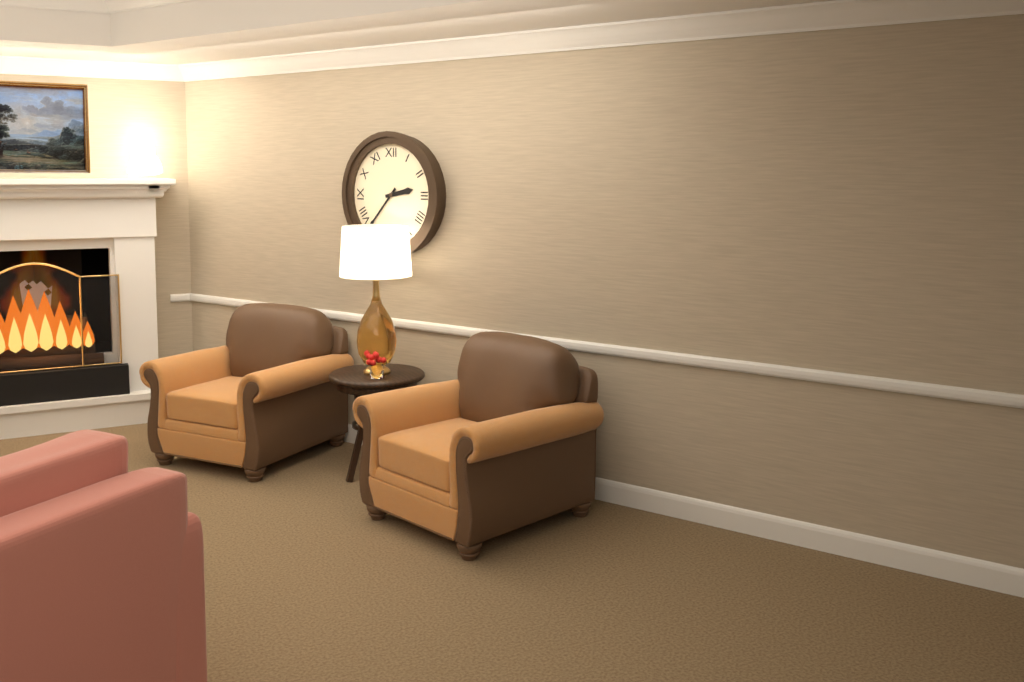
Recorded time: 2.37
